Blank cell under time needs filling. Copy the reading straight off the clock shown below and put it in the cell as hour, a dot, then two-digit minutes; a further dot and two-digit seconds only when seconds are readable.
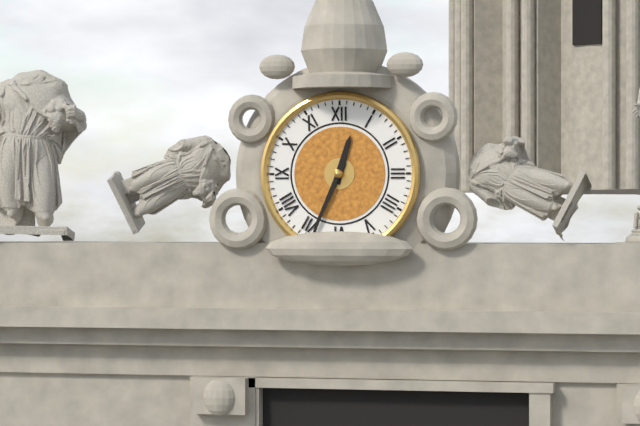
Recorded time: 12.34
